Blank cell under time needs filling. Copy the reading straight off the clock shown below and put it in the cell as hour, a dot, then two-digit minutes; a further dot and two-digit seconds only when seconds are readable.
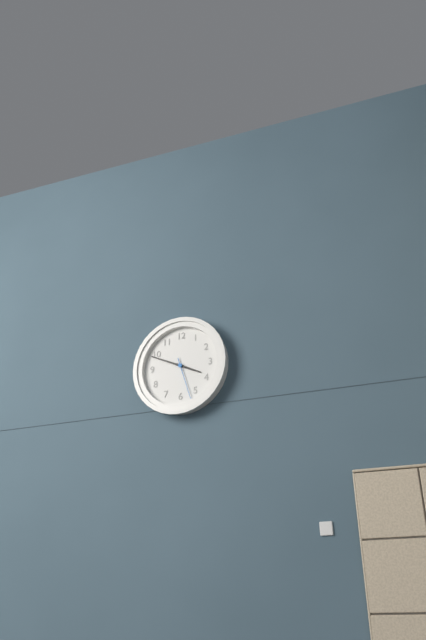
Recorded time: 3.49
